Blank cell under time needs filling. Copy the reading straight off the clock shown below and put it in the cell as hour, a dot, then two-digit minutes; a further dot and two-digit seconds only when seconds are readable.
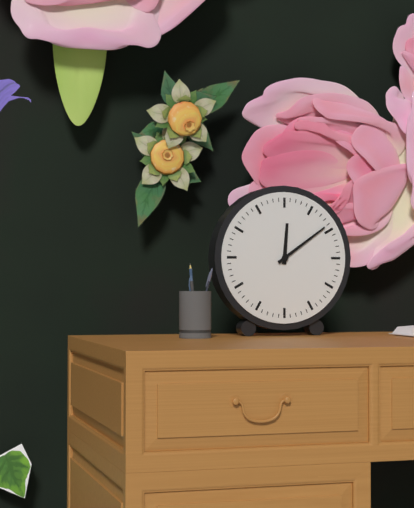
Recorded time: 12.09
